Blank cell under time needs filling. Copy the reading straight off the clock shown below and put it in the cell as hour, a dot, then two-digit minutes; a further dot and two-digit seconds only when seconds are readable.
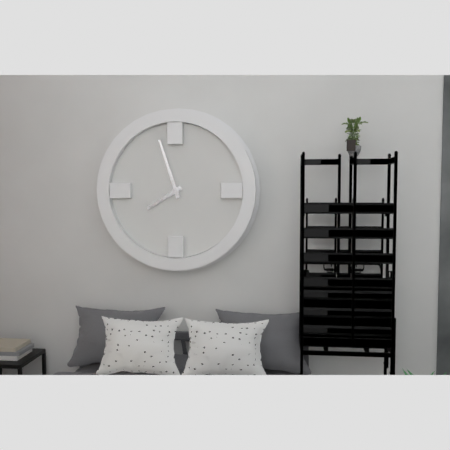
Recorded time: 7.57
